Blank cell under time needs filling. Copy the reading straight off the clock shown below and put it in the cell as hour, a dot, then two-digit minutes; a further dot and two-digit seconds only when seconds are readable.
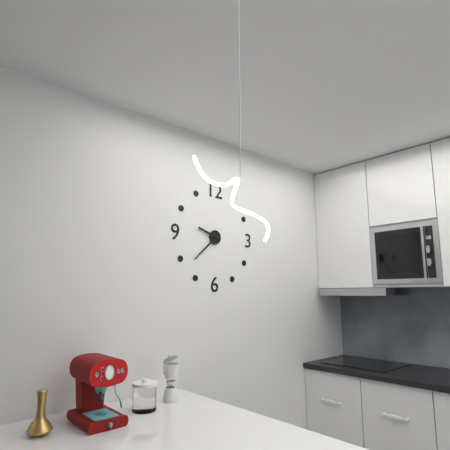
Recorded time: 9.38
